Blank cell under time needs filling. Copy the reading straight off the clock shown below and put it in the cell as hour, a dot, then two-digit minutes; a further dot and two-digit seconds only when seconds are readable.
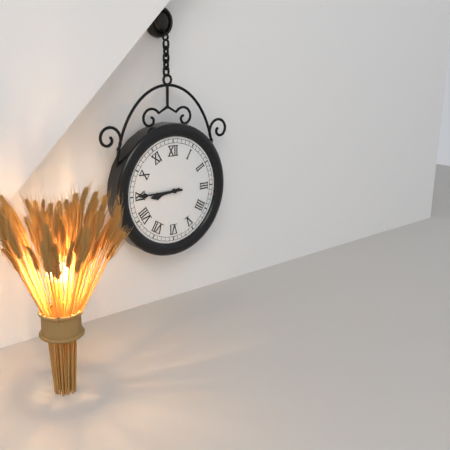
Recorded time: 8.45
